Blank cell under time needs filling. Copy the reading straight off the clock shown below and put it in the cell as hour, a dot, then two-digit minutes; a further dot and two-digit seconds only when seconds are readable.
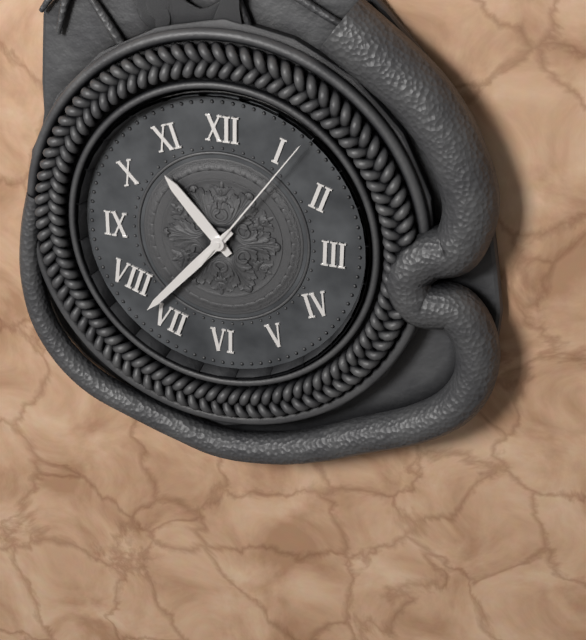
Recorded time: 10.37.06
